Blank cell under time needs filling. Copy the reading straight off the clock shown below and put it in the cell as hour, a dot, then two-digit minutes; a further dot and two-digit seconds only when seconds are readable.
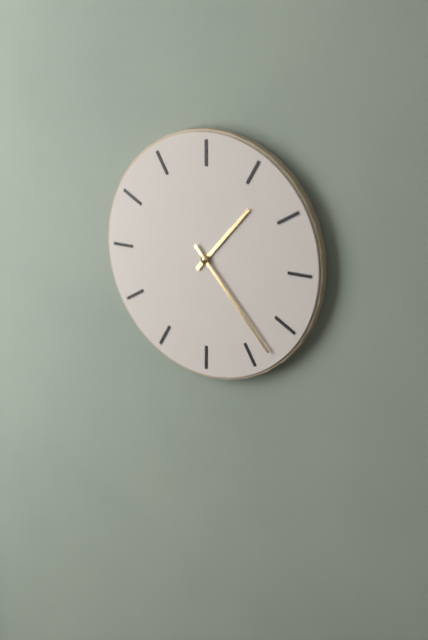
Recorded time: 1.23
